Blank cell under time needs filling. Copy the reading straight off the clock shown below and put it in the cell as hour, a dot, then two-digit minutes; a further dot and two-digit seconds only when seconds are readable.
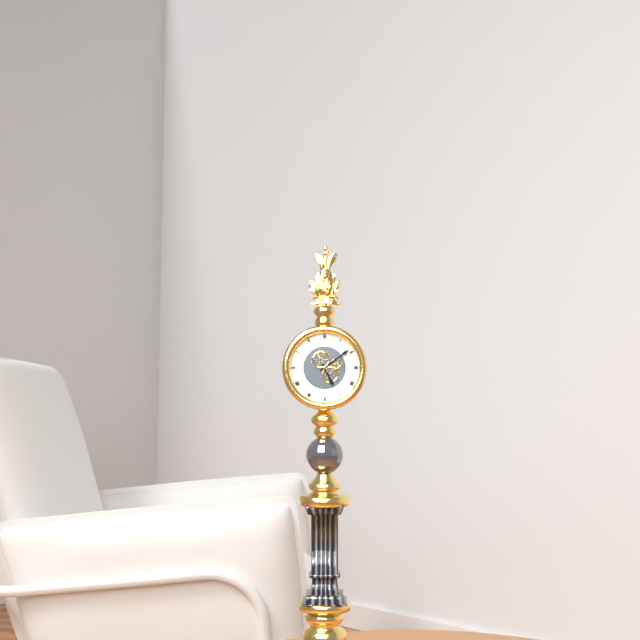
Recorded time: 5.09
